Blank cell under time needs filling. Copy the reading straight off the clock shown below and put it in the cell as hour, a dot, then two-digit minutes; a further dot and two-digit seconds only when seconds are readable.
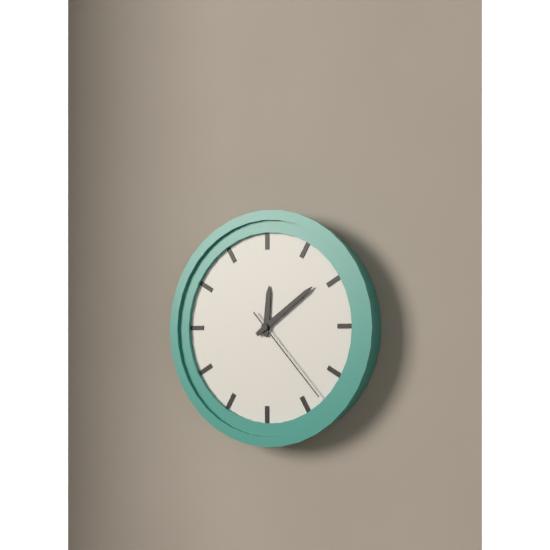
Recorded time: 12.09.23
